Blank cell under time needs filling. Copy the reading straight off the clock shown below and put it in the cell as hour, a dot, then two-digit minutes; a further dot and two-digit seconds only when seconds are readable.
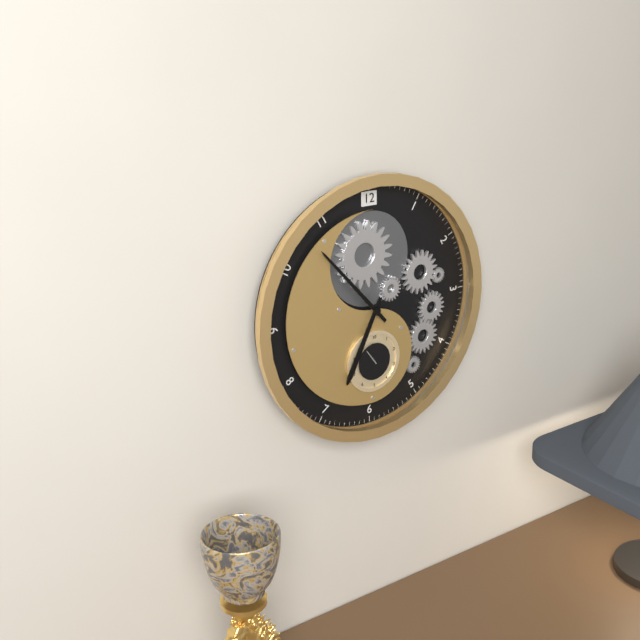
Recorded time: 6.53
